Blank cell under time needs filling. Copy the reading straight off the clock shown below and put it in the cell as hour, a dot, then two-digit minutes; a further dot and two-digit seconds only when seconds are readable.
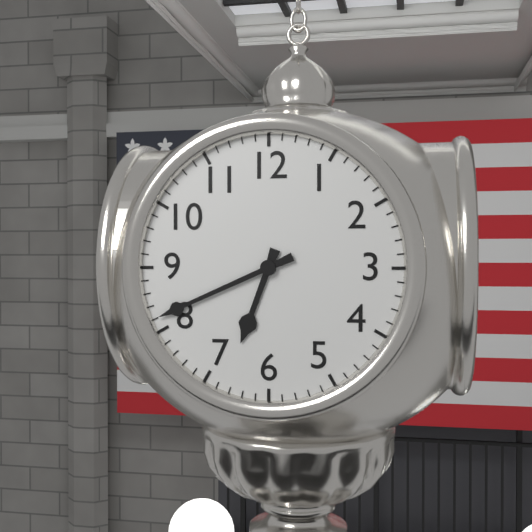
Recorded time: 6.41
